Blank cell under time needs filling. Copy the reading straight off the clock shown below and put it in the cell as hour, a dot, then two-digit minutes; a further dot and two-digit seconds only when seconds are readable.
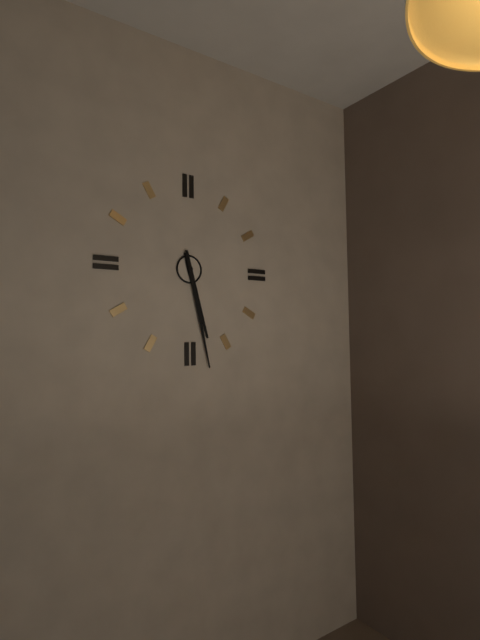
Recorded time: 5.28
